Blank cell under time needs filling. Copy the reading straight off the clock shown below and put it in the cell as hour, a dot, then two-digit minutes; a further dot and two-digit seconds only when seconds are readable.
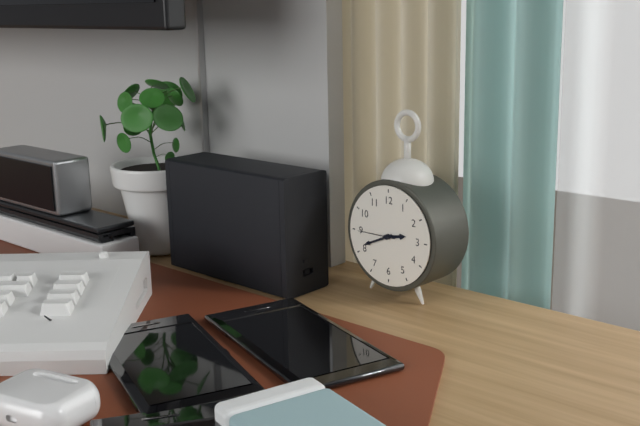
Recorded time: 2.41
